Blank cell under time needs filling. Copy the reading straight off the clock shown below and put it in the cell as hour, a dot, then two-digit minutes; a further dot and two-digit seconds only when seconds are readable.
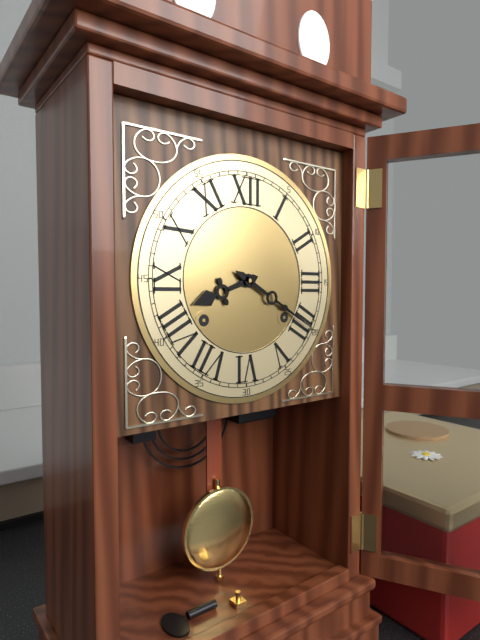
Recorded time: 8.20
